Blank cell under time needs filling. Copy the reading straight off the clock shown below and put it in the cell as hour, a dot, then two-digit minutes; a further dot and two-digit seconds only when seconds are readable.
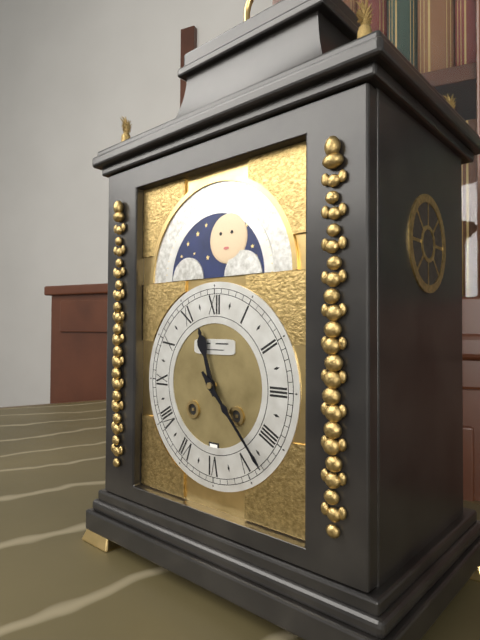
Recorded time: 11.23
